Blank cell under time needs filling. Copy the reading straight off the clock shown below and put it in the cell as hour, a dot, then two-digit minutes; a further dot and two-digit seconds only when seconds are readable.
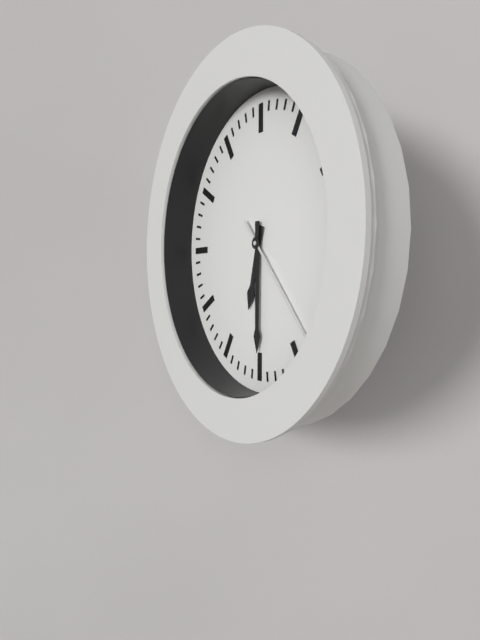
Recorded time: 6.30.23
